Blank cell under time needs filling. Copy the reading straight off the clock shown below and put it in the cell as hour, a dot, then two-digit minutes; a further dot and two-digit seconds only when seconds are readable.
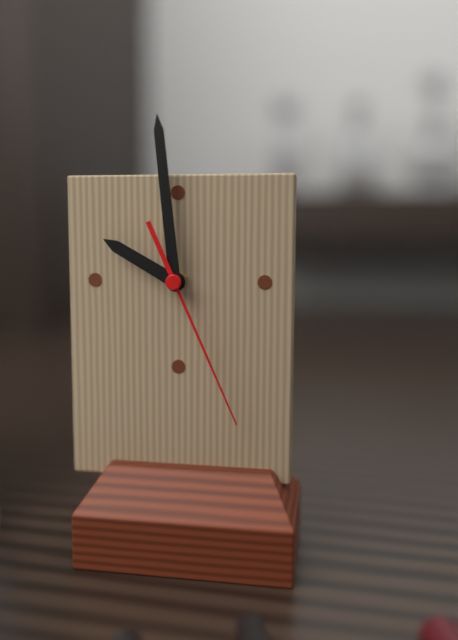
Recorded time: 9.59.26
